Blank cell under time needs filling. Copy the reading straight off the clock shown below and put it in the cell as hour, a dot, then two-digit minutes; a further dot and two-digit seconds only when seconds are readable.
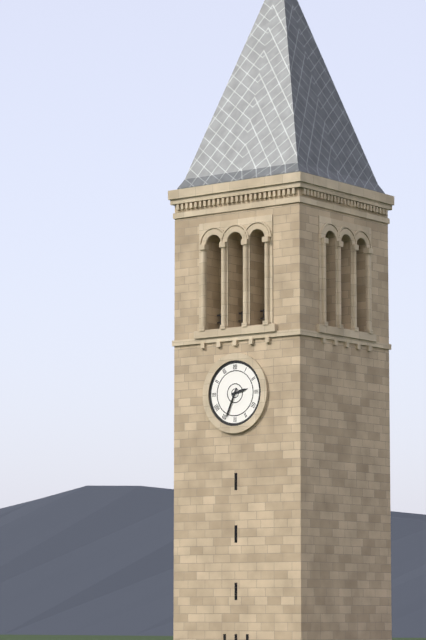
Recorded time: 2.34
